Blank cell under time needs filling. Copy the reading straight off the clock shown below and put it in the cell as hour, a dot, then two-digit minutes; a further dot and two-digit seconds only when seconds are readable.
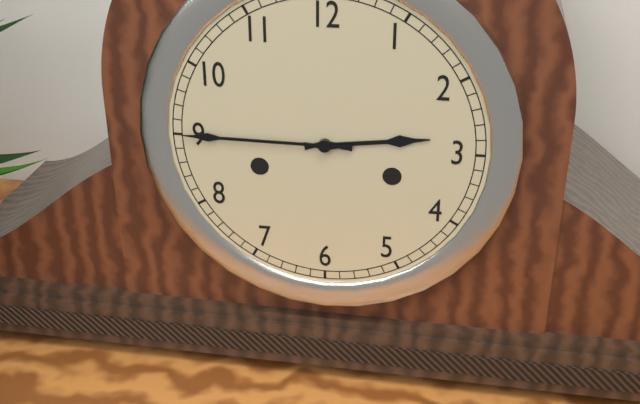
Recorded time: 2.45
